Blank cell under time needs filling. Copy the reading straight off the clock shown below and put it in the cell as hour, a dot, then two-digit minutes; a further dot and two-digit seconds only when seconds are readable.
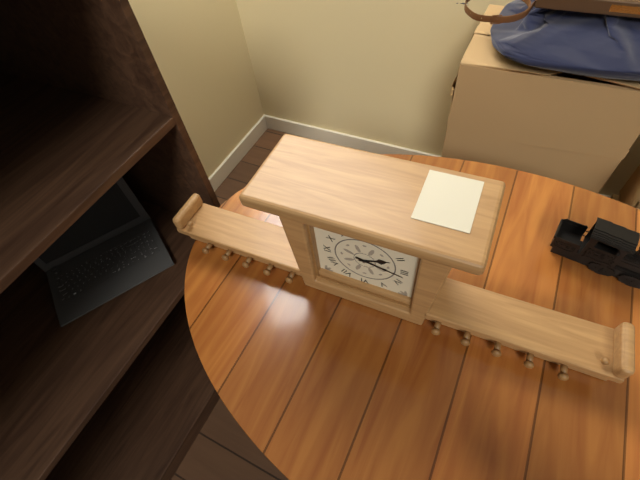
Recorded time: 2.17
